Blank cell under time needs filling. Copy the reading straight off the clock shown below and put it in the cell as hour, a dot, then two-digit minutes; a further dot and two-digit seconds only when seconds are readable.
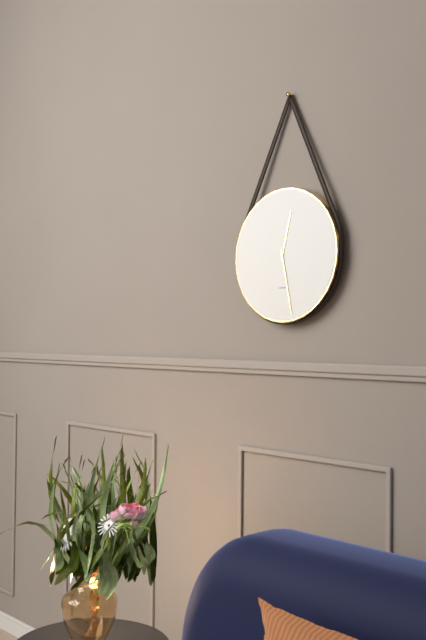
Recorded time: 12.28
